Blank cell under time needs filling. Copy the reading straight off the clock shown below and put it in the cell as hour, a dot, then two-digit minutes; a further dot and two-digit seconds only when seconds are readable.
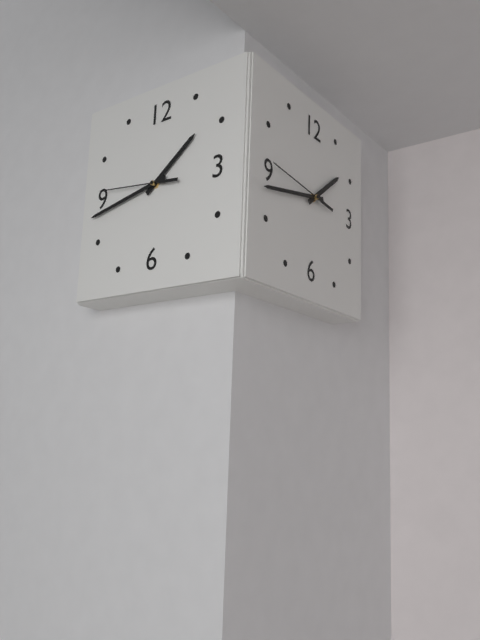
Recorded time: 1.43.46
